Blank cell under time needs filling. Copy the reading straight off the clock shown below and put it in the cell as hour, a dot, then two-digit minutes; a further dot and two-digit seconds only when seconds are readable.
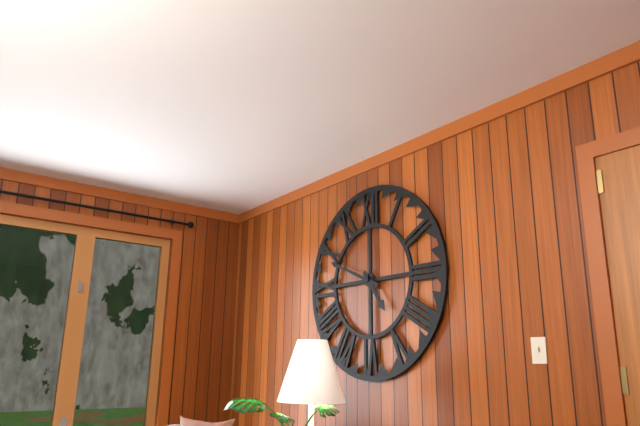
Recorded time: 4.49
